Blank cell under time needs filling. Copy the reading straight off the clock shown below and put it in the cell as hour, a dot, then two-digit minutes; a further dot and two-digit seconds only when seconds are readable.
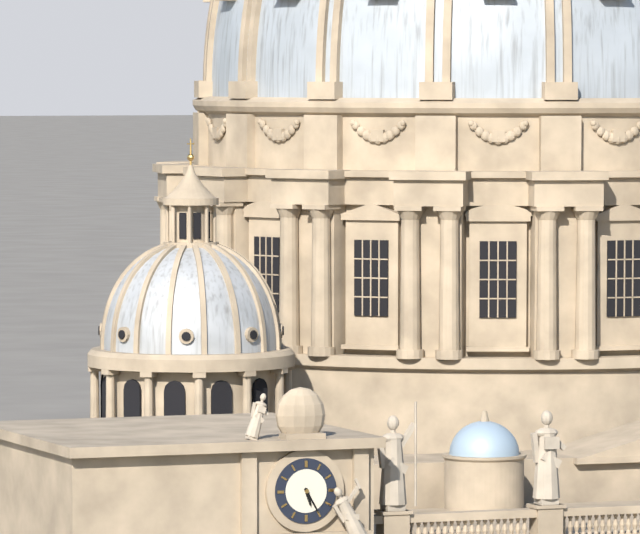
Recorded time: 5.25
